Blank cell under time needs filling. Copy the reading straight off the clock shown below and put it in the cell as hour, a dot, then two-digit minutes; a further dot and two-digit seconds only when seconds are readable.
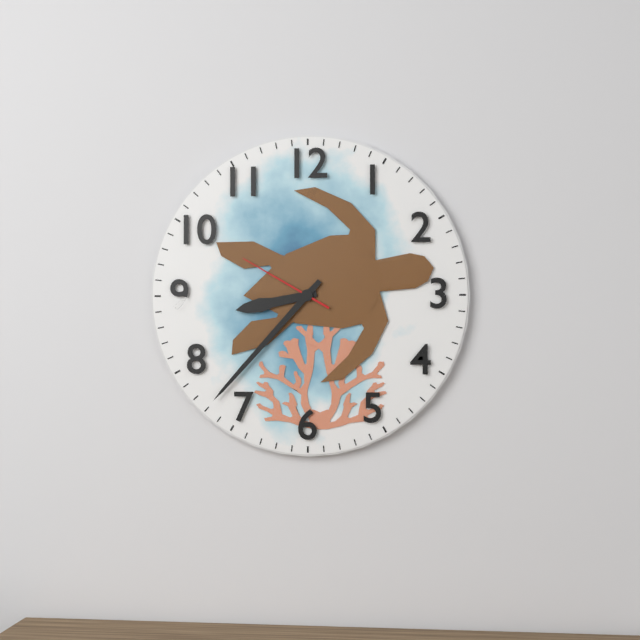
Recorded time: 8.37.50
